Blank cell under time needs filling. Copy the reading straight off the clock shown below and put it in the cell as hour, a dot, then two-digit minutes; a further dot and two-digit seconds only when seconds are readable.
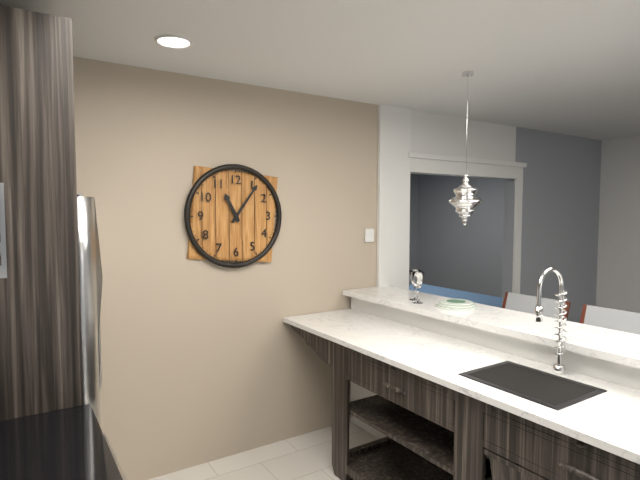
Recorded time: 11.06
